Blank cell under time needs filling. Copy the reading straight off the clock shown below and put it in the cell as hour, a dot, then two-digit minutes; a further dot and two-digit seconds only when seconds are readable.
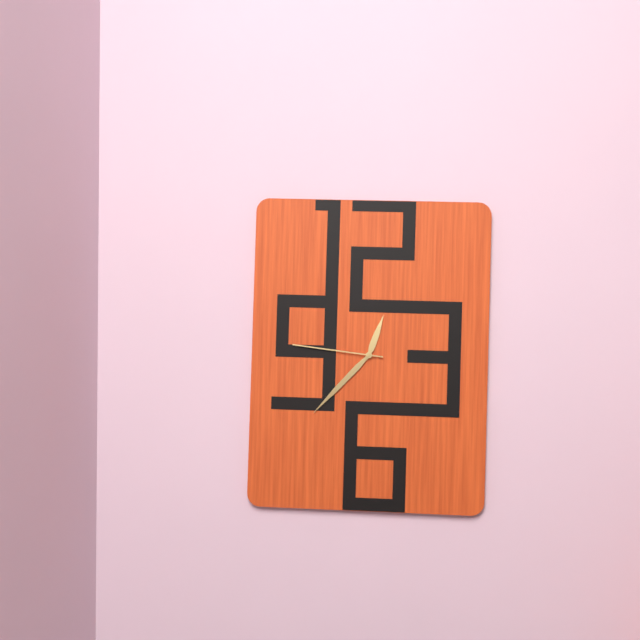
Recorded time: 12.37.46
